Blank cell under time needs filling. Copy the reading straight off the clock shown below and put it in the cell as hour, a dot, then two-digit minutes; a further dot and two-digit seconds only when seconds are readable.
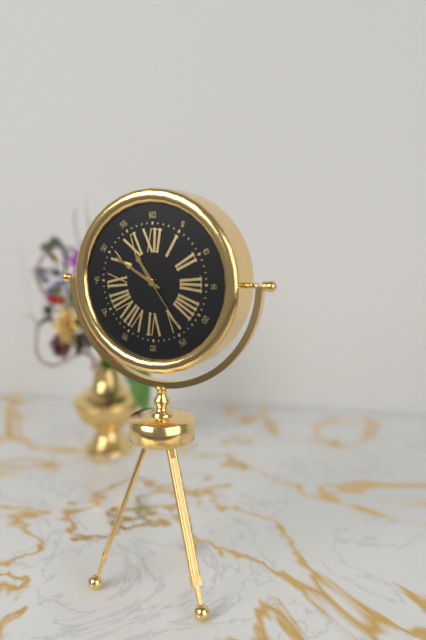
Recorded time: 10.50.24
